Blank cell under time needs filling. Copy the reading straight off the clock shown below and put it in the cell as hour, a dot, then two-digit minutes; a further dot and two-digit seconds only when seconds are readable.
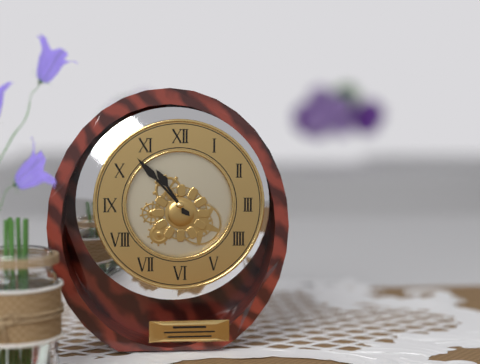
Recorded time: 10.53
